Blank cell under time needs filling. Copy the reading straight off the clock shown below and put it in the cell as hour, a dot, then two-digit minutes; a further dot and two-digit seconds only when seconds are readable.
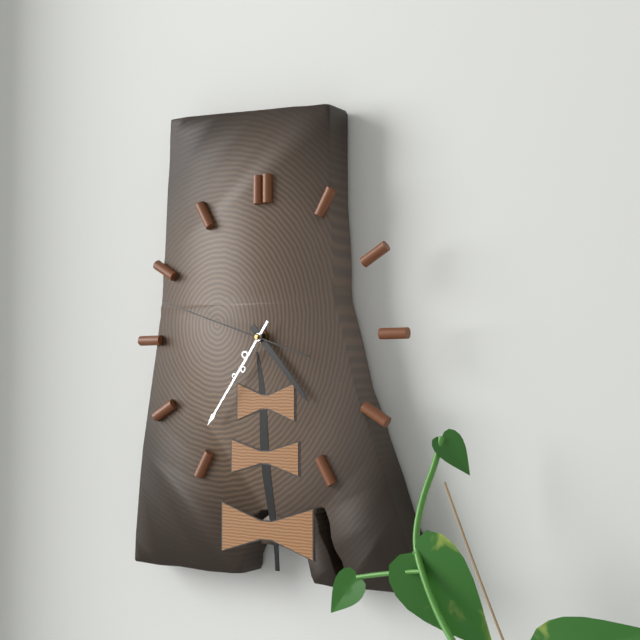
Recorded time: 4.36.48
